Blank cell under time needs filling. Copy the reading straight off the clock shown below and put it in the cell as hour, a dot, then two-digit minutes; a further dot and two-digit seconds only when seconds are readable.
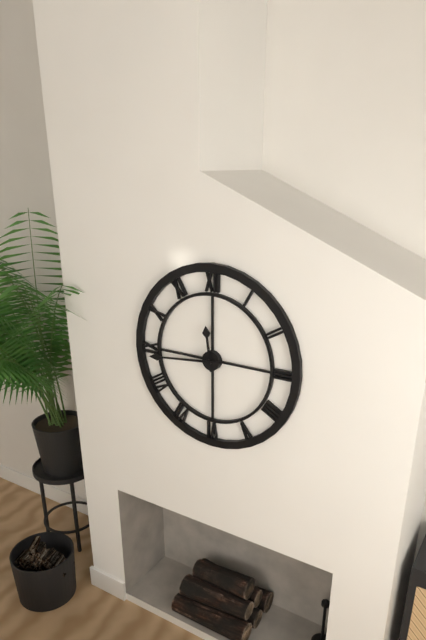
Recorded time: 11.44
